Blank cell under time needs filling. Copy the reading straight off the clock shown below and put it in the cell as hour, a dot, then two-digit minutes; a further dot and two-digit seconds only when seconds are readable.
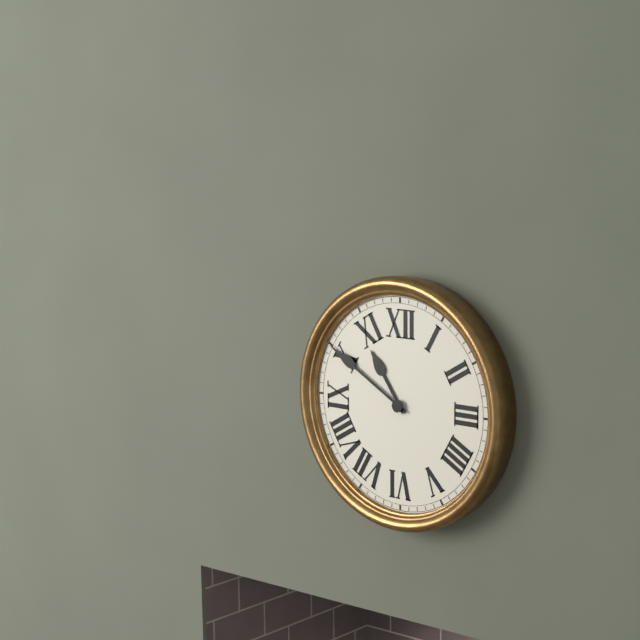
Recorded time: 10.50
